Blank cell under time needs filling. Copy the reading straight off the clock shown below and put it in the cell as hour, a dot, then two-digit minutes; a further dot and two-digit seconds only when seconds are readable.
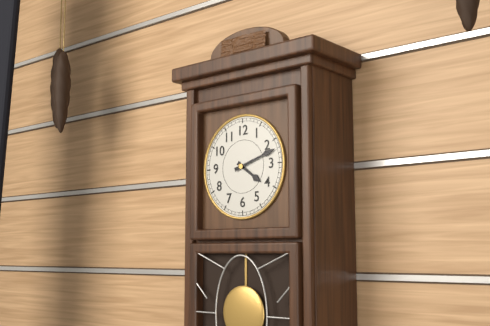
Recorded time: 4.12
